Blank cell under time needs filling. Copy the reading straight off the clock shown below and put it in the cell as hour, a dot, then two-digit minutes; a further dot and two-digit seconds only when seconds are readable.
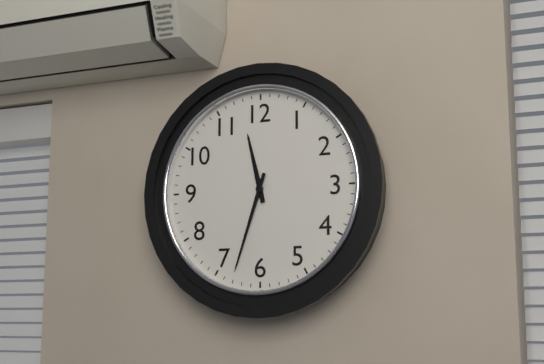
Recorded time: 11.33
